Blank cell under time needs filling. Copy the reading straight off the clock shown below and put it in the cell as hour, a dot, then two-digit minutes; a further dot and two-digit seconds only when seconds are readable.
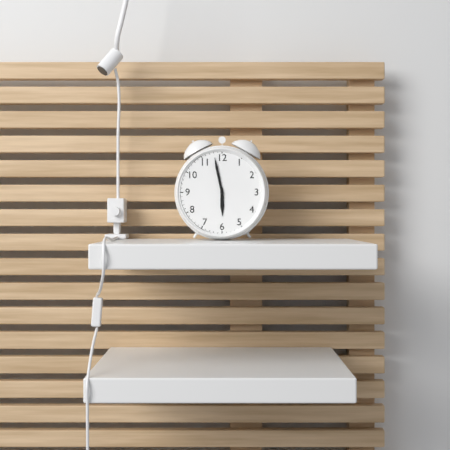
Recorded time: 5.58
